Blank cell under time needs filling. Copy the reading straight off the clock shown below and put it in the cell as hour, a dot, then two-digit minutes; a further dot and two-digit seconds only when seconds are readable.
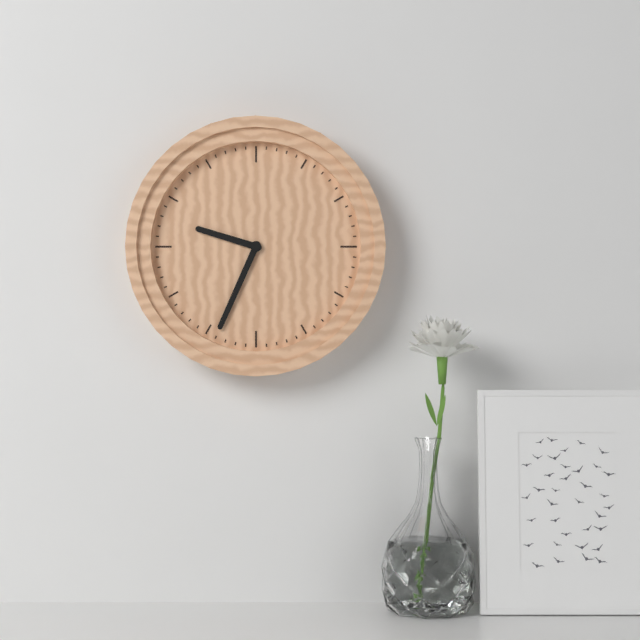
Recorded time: 9.34
